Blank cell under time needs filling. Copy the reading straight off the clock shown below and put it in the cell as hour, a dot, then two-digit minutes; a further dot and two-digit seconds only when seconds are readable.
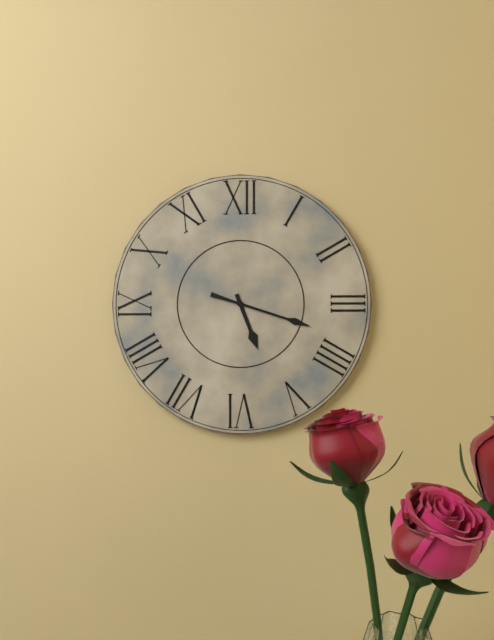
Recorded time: 5.18
